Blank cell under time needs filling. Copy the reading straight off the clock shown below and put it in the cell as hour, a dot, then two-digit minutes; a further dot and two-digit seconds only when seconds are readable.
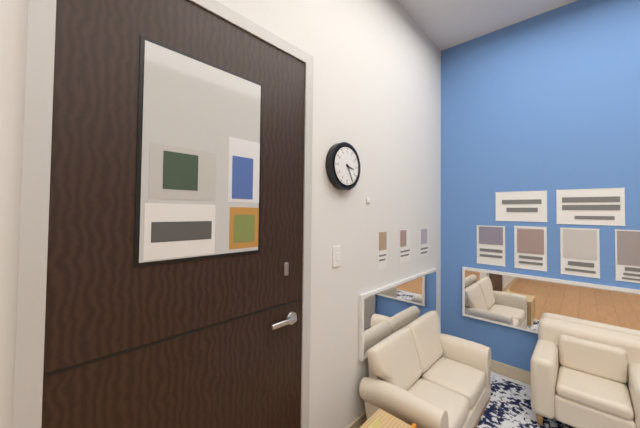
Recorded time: 3.25
